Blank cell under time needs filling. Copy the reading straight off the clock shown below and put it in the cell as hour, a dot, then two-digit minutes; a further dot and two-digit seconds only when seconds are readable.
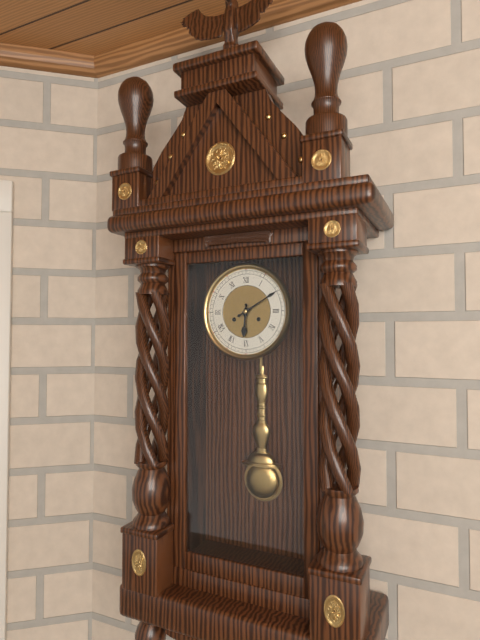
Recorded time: 6.10
